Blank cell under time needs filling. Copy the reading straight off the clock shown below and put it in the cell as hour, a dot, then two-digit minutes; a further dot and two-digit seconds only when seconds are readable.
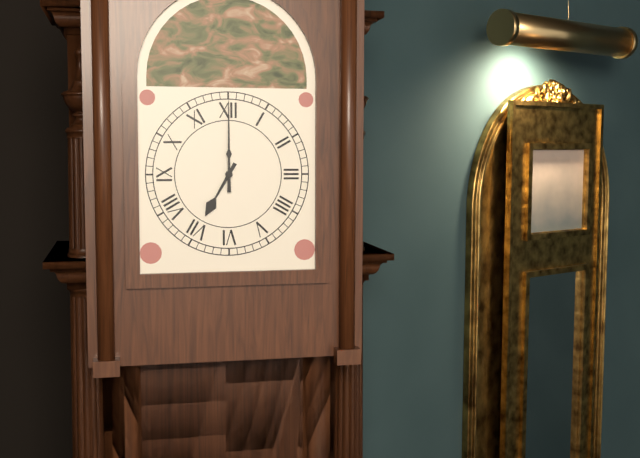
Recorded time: 7.00
